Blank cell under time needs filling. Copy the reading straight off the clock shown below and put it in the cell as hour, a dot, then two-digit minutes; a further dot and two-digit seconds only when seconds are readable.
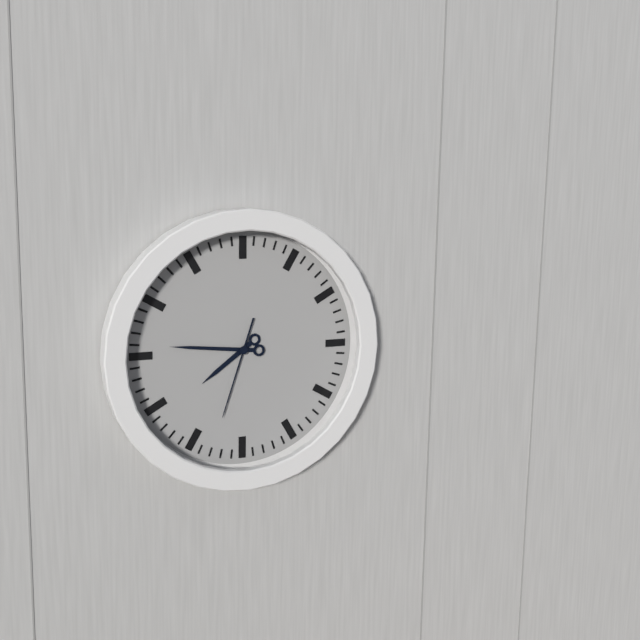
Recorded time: 7.46.33
